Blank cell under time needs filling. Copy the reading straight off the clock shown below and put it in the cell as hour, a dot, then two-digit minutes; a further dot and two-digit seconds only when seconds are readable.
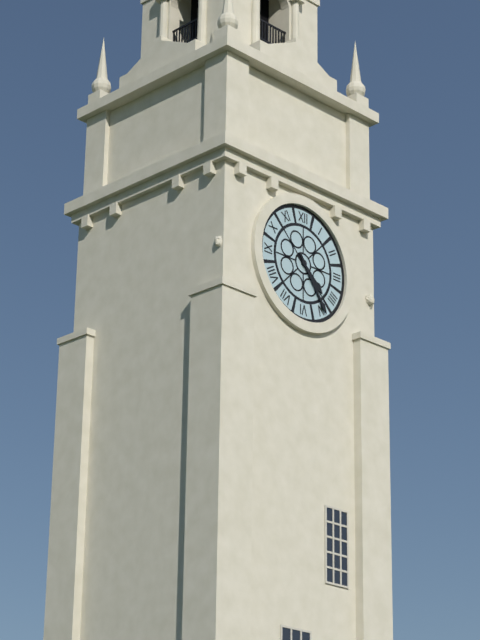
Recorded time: 4.24
